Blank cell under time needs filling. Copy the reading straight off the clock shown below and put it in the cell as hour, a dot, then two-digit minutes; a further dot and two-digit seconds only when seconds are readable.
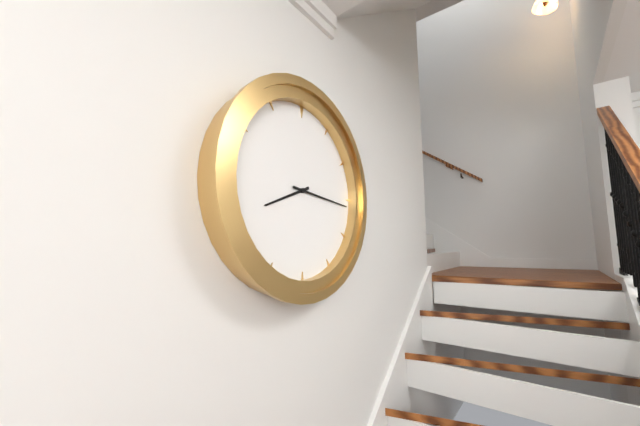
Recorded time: 8.16
